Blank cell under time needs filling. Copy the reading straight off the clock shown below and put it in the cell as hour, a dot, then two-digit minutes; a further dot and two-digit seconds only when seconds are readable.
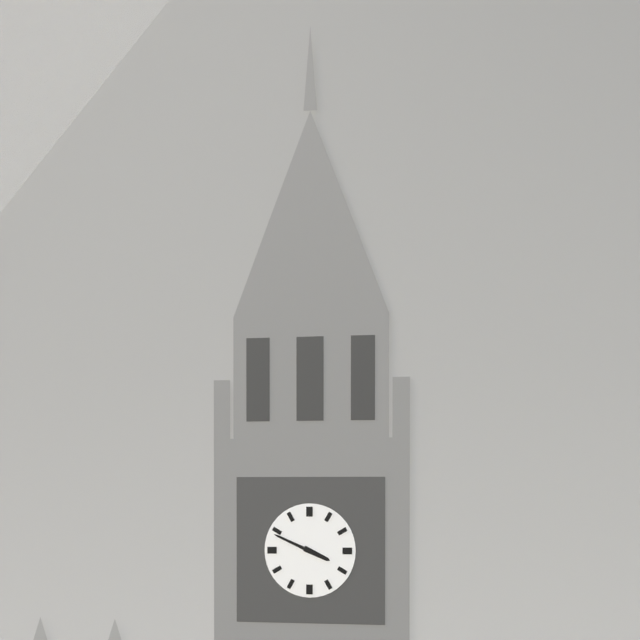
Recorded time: 3.49
